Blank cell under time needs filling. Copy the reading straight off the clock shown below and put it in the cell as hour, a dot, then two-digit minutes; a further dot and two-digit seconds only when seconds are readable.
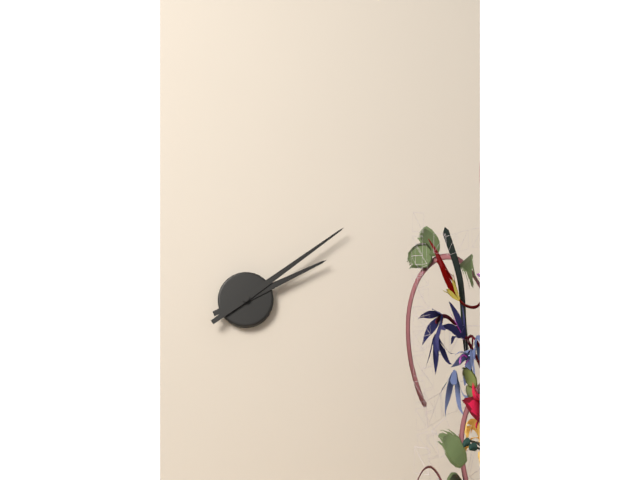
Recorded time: 2.09
